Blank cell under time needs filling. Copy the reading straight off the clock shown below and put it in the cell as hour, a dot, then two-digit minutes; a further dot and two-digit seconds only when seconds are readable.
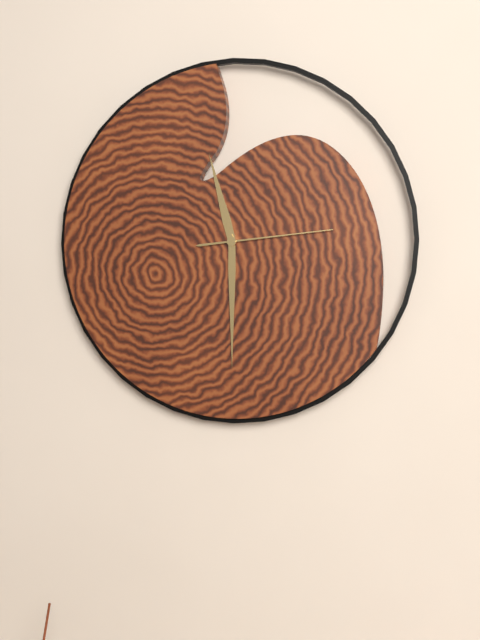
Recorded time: 11.30.14
